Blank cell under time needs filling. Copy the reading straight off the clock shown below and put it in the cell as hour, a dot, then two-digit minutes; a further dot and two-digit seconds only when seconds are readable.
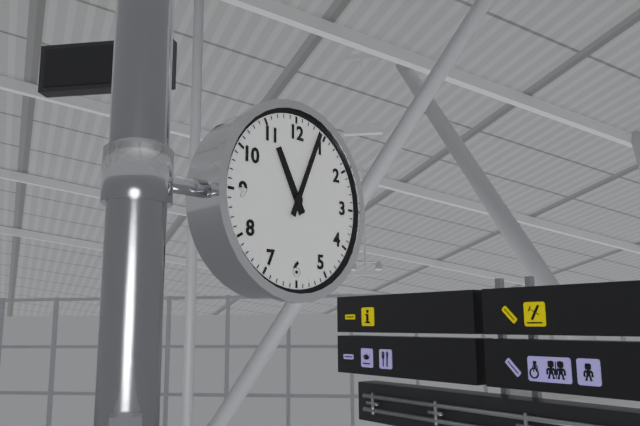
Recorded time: 11.04
